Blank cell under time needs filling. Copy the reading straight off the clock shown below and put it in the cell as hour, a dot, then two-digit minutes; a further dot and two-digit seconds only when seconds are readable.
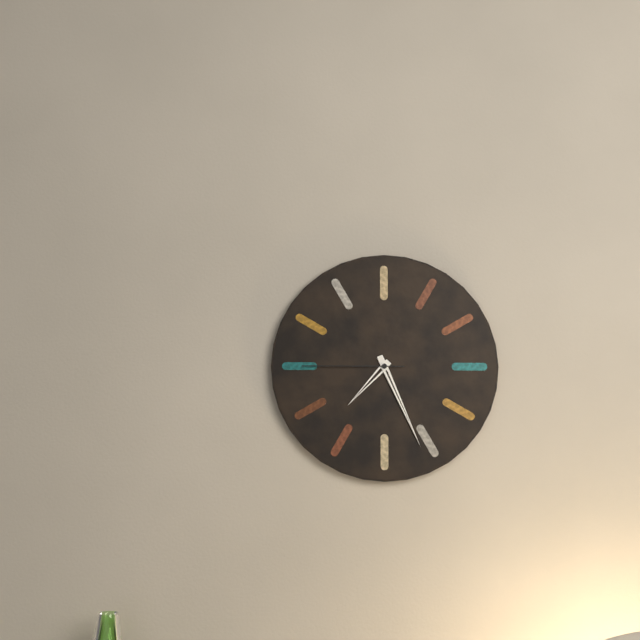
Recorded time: 7.26.45
